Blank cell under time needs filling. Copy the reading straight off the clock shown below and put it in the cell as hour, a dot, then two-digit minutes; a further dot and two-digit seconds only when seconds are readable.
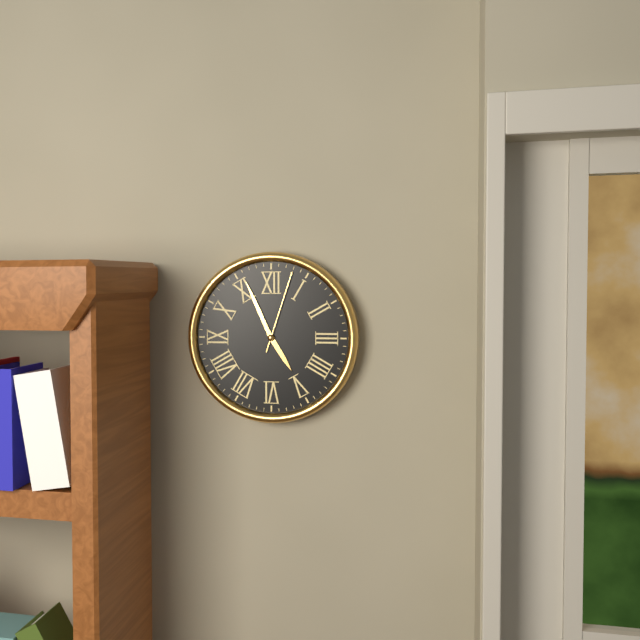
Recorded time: 4.56.03
